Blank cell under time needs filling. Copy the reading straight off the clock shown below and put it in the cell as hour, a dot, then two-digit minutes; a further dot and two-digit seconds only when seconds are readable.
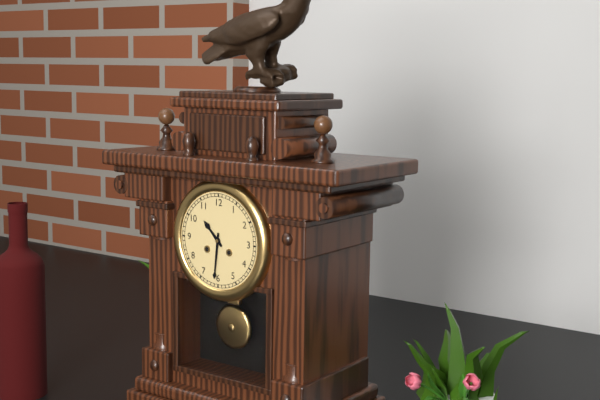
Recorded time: 10.31
